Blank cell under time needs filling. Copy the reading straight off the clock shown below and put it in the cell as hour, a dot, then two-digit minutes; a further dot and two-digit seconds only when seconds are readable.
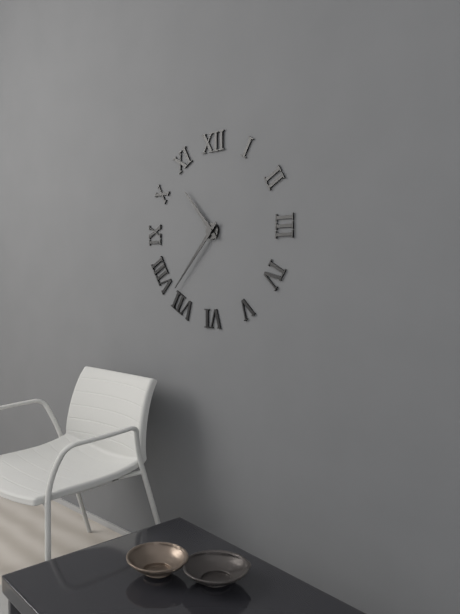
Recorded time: 10.37
